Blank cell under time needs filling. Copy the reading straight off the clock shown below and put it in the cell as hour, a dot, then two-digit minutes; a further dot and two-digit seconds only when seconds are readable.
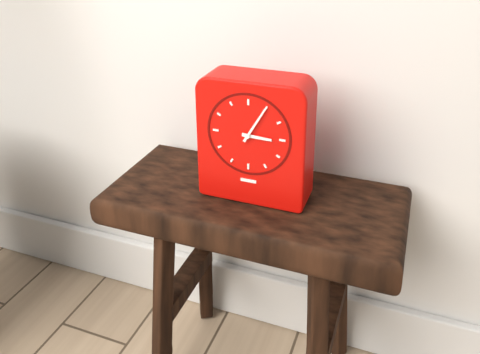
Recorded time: 3.05
